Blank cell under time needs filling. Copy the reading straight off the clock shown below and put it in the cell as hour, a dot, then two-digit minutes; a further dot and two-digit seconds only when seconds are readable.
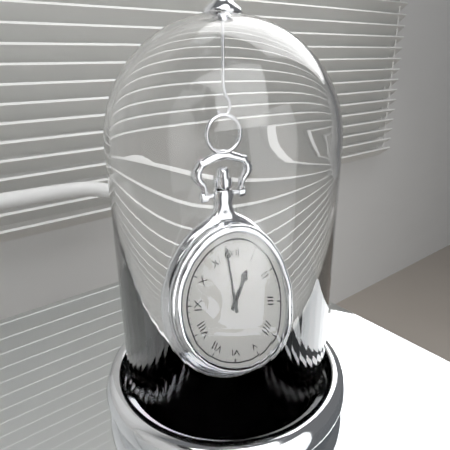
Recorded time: 12.58
